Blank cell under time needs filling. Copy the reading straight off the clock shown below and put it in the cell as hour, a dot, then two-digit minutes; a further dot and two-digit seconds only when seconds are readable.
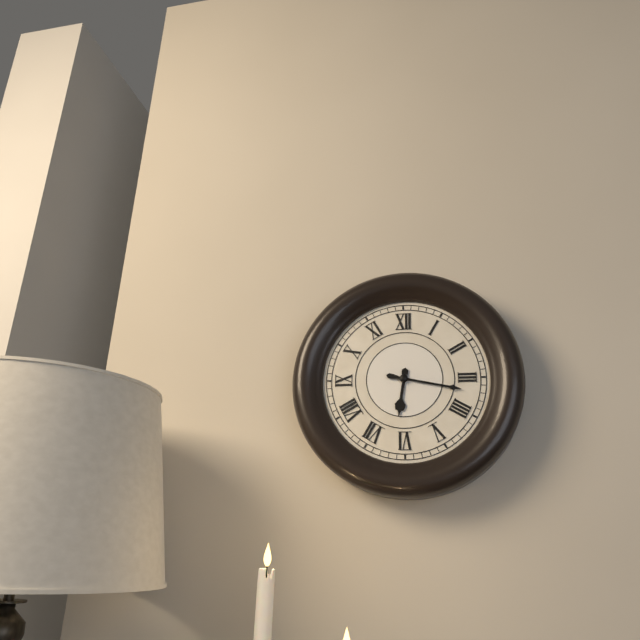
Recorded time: 6.17
